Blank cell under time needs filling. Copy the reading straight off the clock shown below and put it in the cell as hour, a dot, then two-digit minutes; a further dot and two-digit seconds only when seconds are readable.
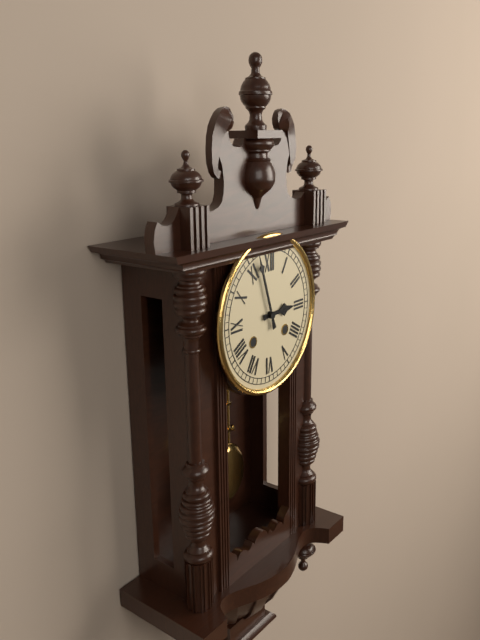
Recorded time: 2.57
